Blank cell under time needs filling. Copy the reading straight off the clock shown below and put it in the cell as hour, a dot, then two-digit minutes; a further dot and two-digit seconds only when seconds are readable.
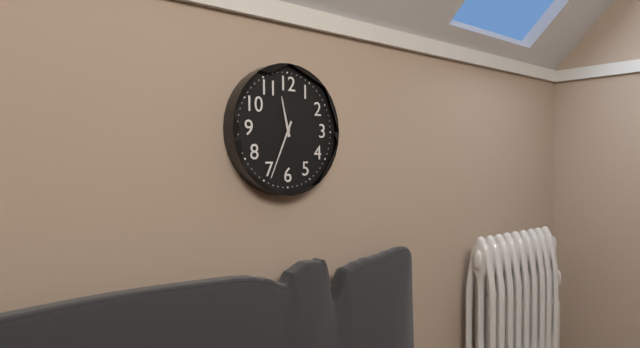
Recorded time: 11.34
